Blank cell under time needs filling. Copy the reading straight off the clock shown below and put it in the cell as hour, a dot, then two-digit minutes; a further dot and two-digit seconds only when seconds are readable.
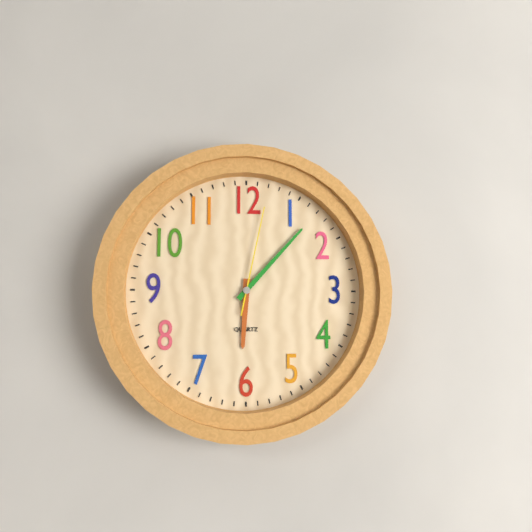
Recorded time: 6.07.02
